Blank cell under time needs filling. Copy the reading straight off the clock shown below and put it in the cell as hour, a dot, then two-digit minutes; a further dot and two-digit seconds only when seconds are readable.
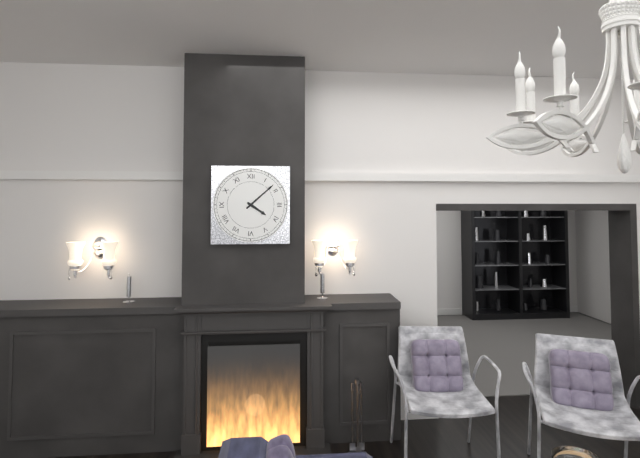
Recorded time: 4.08
